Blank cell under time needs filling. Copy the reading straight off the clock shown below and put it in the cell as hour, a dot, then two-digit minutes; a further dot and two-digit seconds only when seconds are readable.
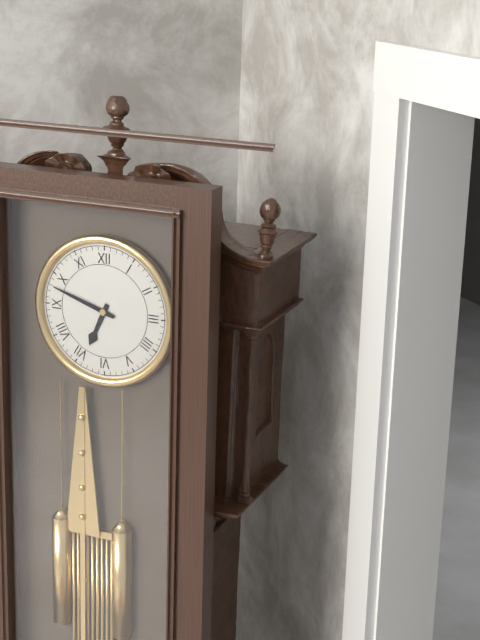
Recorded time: 6.48
